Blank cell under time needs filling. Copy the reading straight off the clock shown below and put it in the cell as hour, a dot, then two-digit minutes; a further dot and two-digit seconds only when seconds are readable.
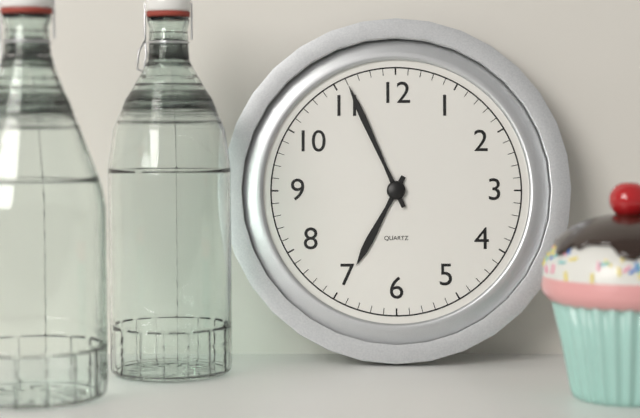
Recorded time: 6.56
